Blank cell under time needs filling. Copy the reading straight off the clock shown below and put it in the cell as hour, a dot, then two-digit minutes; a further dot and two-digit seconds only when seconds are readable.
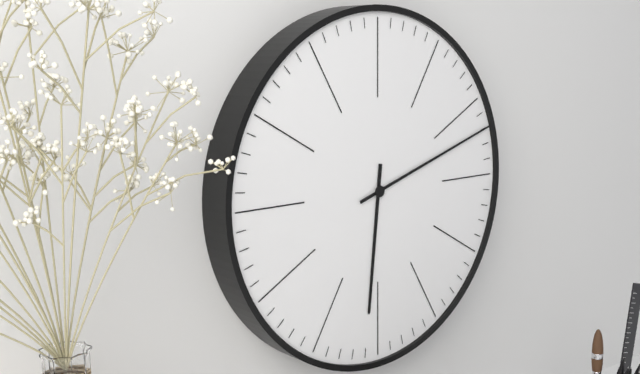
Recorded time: 6.12
